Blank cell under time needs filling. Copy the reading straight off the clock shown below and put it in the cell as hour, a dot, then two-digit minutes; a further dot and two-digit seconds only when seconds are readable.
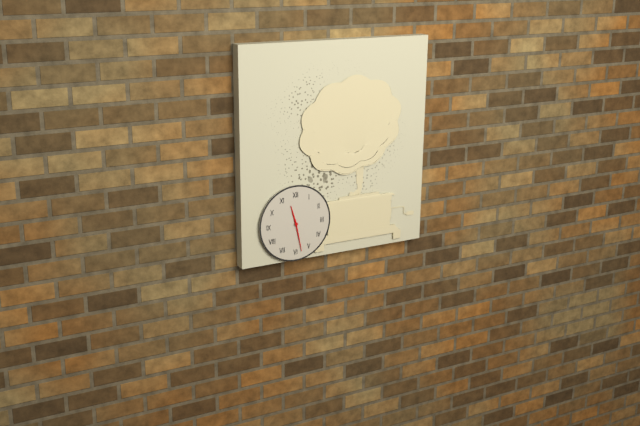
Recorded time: 11.28
